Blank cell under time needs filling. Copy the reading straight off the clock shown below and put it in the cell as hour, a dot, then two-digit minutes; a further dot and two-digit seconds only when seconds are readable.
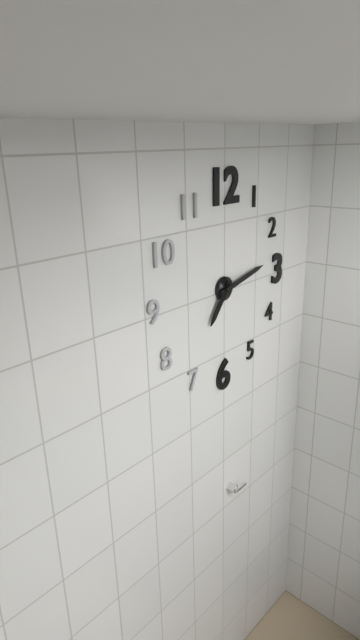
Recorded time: 7.13
